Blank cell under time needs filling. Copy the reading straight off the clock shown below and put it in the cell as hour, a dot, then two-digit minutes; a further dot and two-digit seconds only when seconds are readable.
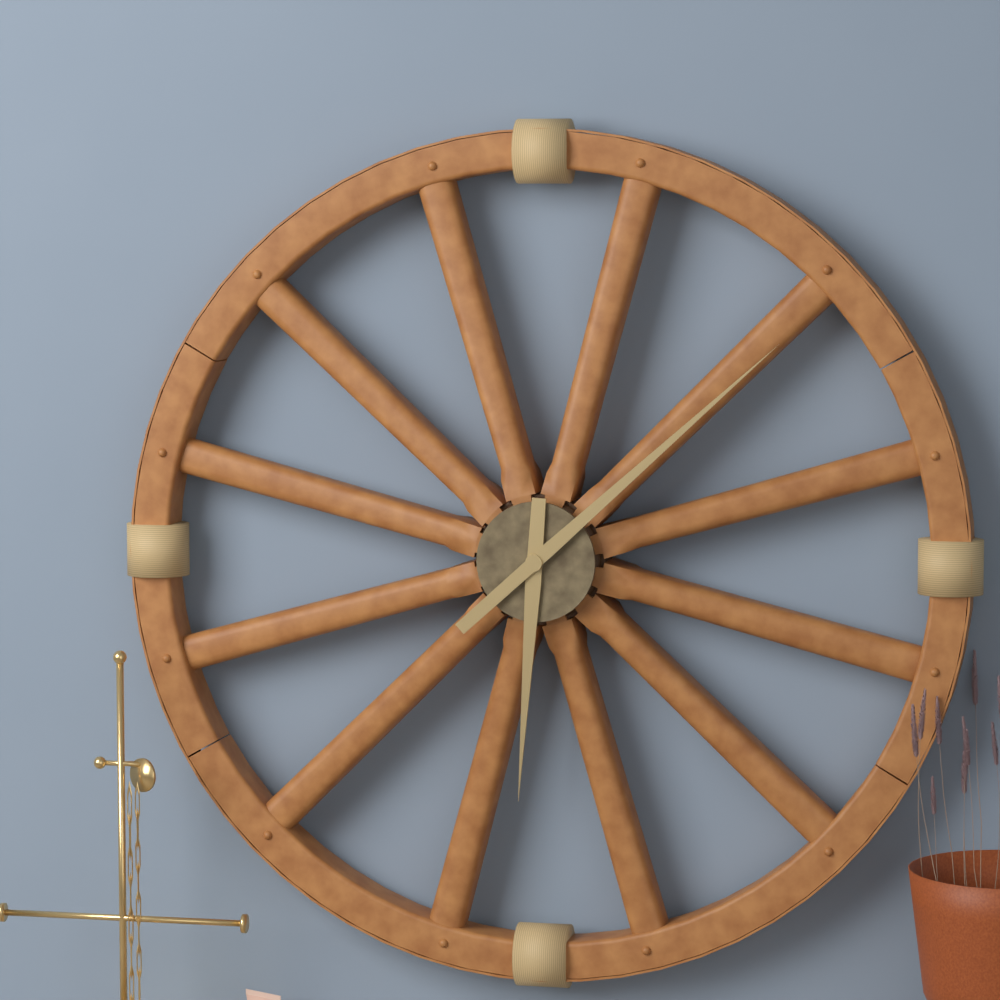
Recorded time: 6.08
